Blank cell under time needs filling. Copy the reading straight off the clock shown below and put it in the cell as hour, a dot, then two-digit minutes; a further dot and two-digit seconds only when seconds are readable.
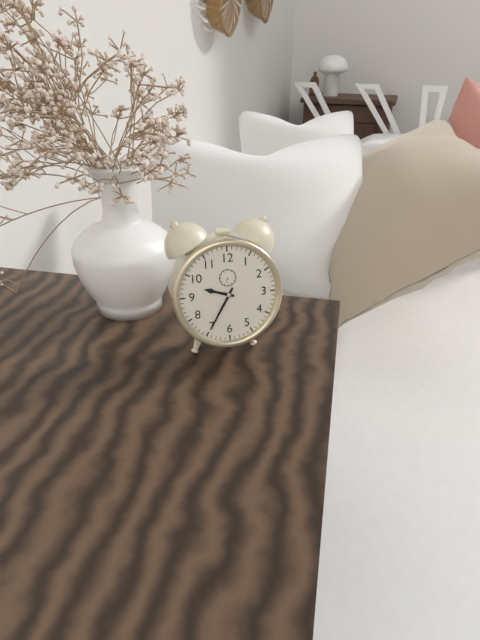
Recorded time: 9.35
